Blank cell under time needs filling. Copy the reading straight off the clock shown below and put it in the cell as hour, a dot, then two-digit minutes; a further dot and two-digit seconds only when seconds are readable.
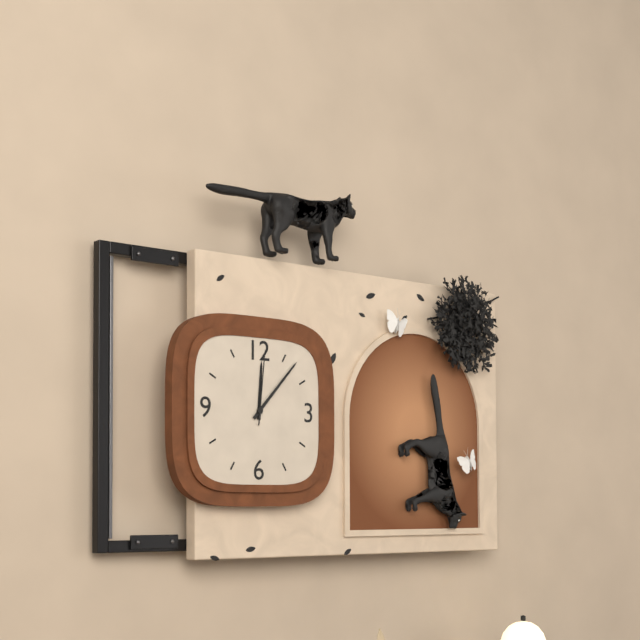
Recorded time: 12.07.01
